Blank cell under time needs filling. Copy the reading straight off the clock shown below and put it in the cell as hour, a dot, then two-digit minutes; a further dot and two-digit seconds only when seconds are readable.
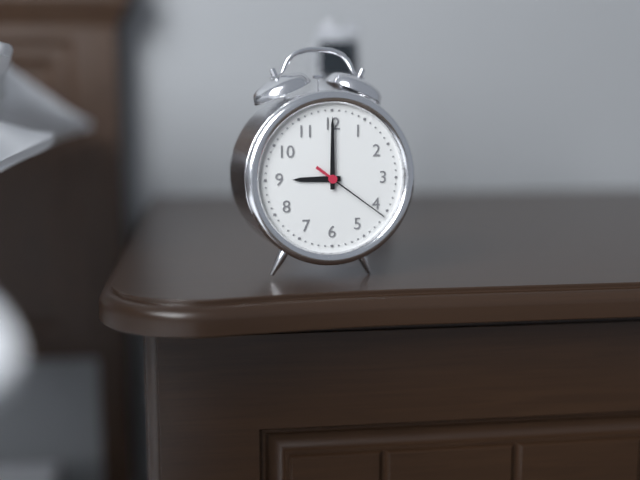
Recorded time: 9.00.21
